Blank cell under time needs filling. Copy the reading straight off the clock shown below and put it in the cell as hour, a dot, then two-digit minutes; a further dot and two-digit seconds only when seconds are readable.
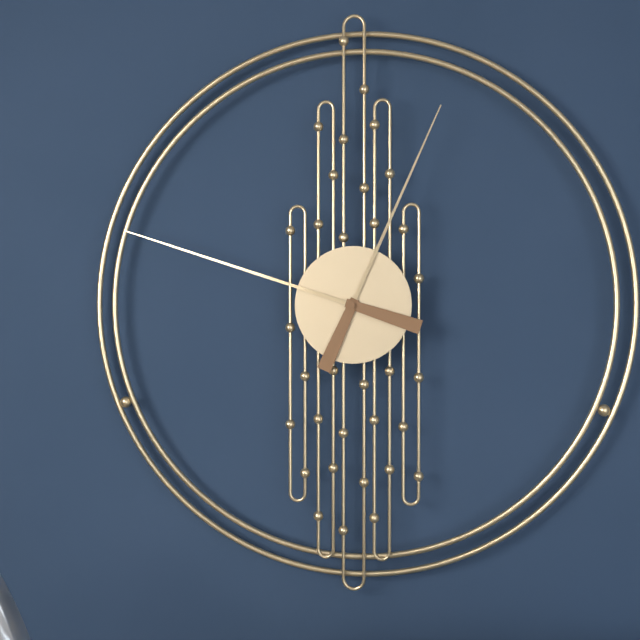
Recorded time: 12.48
